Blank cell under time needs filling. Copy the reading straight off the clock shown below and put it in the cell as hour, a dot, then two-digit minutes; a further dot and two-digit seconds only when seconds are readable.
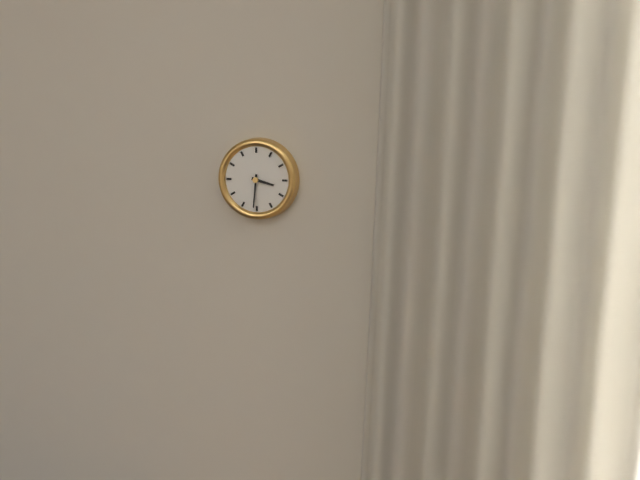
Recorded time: 3.31
